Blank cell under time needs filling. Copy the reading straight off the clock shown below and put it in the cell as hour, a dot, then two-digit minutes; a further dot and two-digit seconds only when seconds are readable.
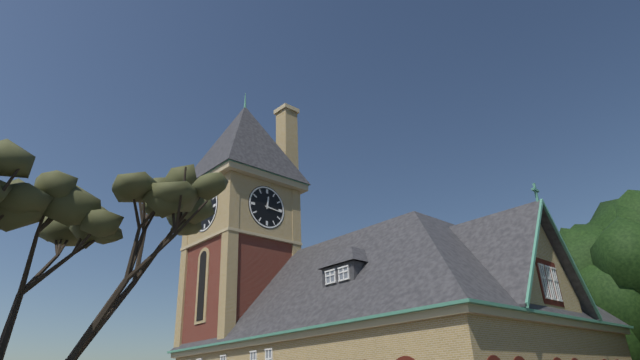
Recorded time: 12.16
